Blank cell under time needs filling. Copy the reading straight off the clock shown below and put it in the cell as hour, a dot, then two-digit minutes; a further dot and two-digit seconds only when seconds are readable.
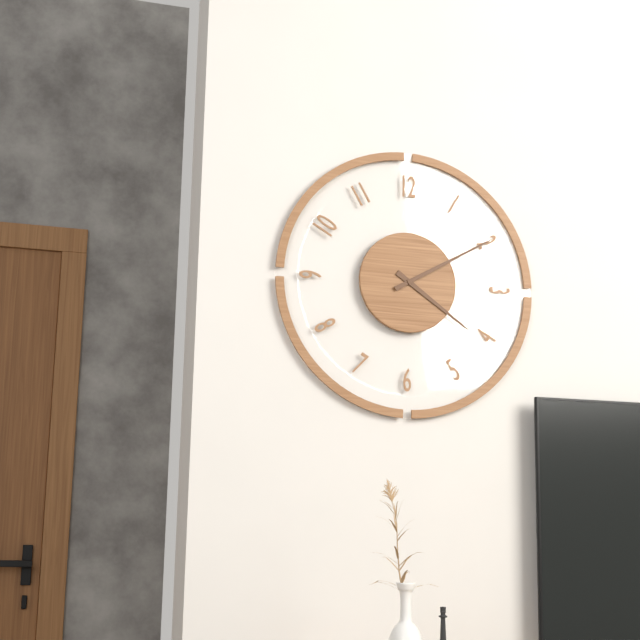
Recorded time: 4.10
